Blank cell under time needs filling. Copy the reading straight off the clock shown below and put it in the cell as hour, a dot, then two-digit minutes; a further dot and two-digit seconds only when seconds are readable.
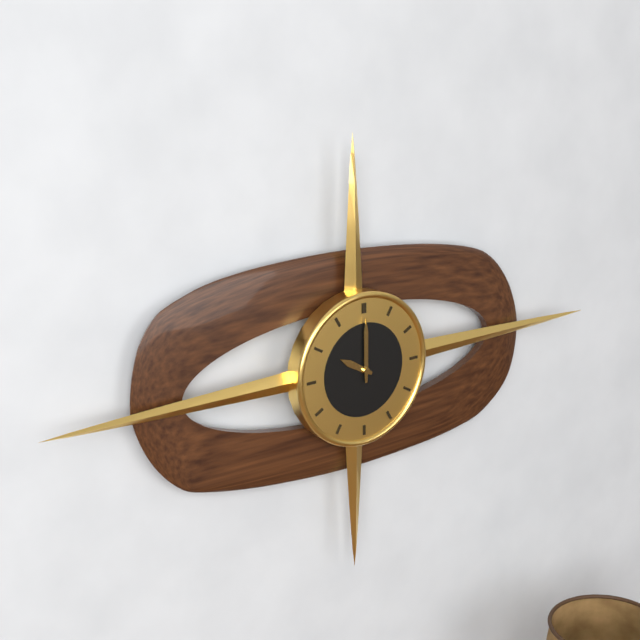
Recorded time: 10.00
